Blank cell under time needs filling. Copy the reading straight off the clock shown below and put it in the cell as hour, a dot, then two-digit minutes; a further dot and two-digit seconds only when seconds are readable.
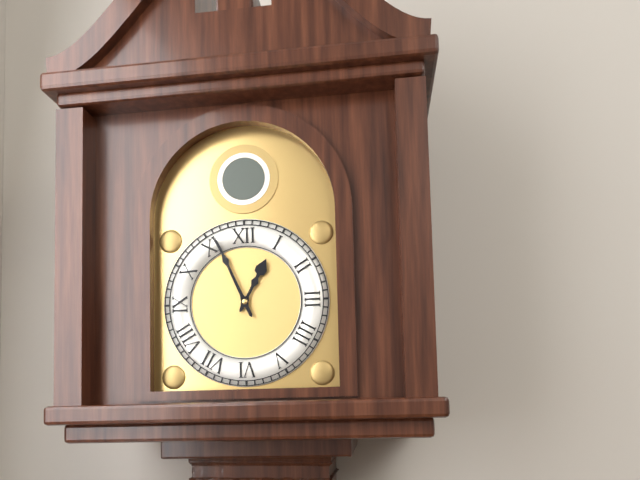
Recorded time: 12.56
